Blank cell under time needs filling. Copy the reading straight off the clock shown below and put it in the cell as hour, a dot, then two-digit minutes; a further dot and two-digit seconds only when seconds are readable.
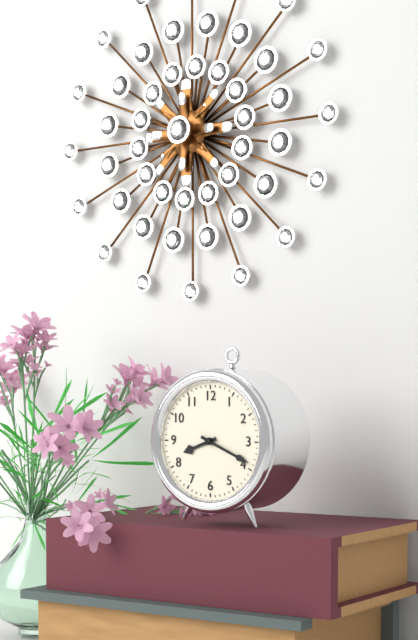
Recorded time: 8.19
